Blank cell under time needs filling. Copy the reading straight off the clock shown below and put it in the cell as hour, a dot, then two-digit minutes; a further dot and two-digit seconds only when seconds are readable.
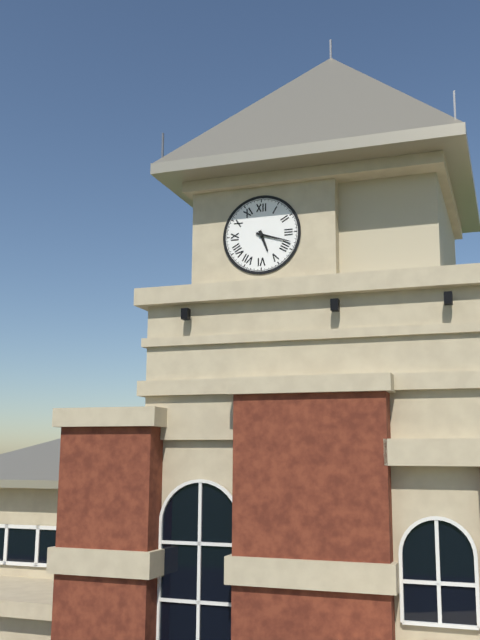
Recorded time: 5.18
